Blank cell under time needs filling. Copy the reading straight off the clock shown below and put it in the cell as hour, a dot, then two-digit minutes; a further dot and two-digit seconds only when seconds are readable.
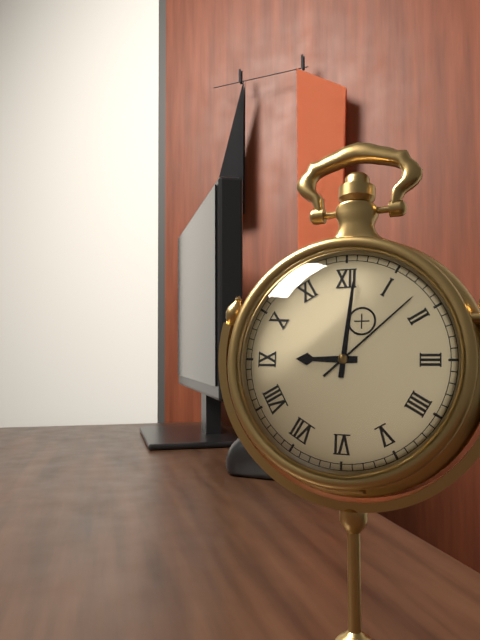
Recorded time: 9.01.08
